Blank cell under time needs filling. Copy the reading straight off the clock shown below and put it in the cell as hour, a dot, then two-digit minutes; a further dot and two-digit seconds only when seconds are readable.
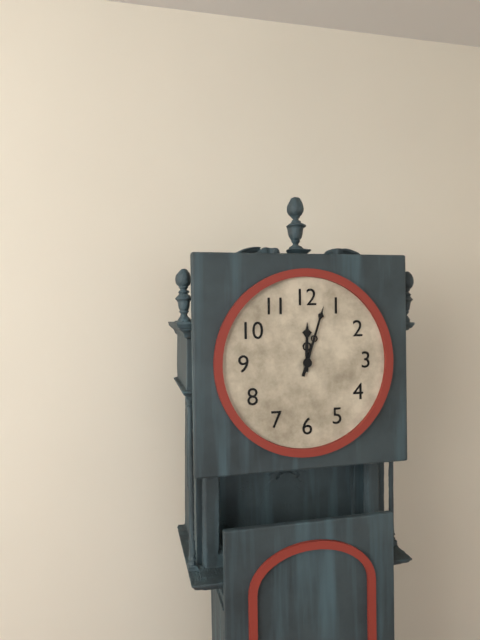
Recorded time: 12.03
